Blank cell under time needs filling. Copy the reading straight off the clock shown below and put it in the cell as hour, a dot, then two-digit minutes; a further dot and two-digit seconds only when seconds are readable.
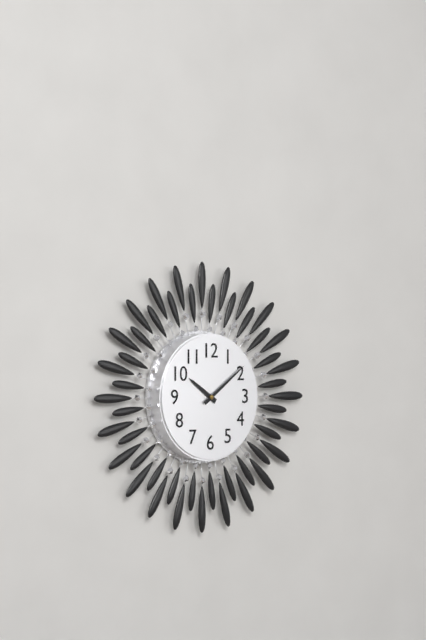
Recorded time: 10.09
